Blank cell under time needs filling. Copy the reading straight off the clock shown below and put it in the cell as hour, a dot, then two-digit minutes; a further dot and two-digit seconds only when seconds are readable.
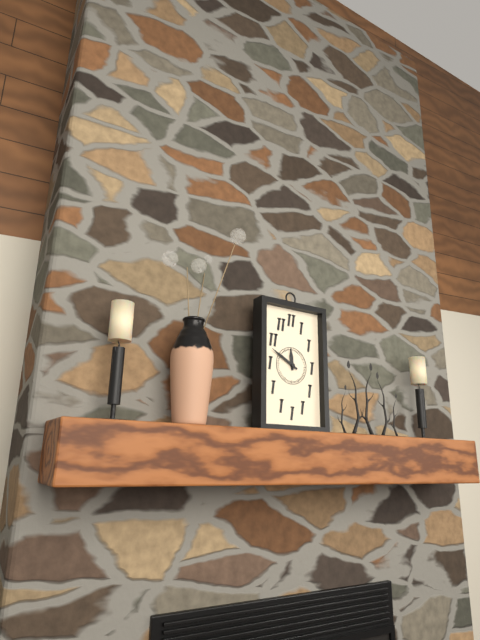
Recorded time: 11.50
